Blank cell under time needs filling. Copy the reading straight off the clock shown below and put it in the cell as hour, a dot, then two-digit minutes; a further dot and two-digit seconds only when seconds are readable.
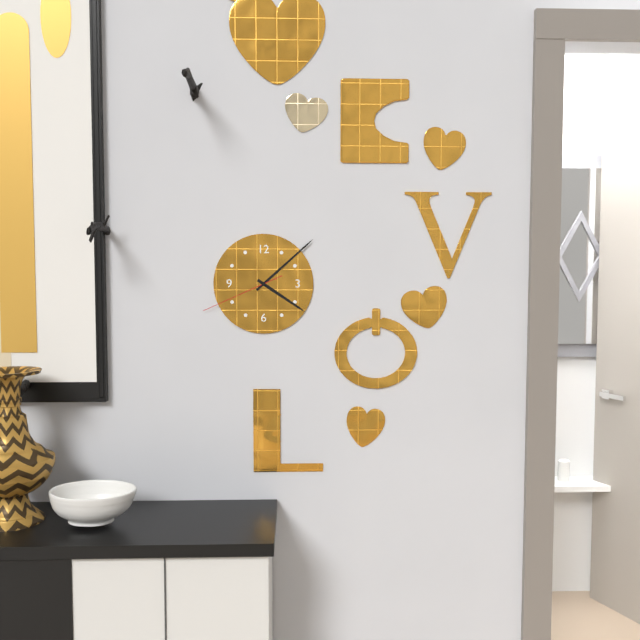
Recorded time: 4.08.41
